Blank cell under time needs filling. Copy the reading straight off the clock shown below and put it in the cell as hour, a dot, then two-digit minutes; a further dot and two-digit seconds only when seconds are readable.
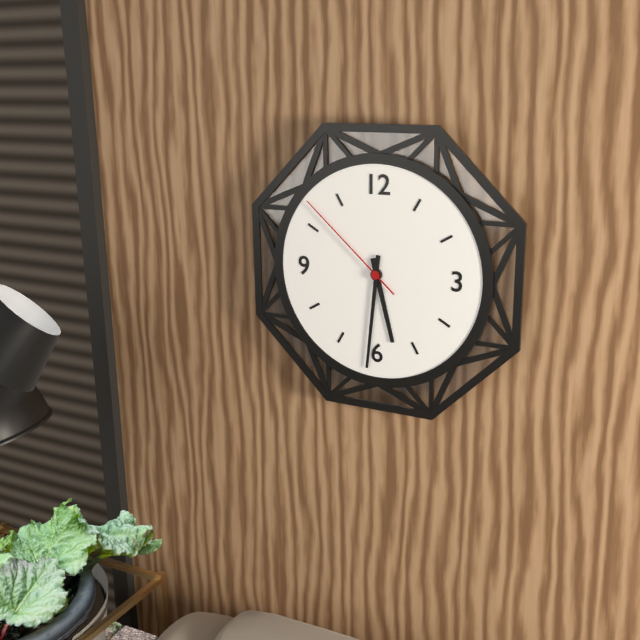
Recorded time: 5.31.52
